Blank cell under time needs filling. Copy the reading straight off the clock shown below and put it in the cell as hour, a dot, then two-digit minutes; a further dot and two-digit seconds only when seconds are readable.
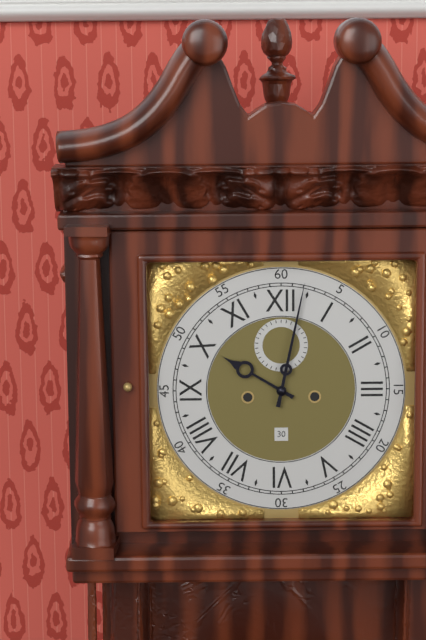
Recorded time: 10.02
